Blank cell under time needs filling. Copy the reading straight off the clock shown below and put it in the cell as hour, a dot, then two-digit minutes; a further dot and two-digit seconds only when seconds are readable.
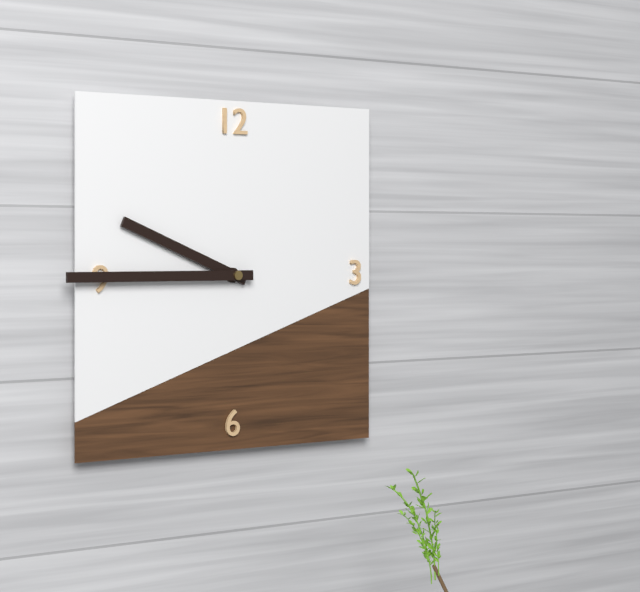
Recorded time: 9.45
